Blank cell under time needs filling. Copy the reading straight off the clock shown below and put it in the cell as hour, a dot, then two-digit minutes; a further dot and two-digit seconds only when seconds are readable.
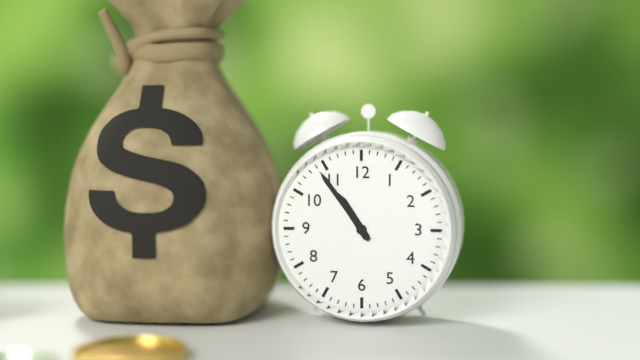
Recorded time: 10.54
